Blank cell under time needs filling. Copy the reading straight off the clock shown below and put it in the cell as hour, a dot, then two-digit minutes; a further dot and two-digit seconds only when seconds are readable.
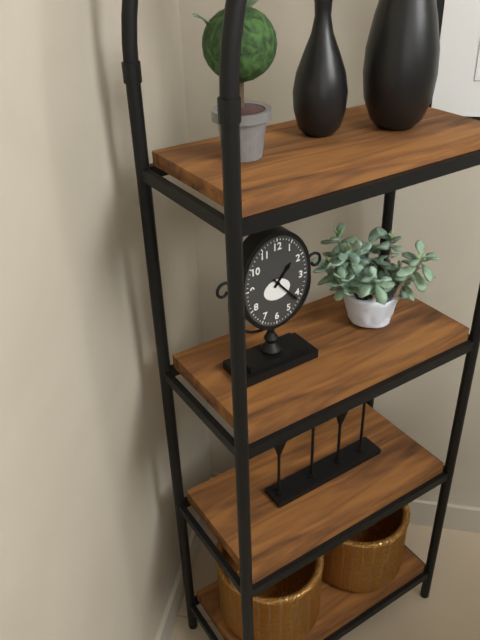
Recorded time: 1.23
